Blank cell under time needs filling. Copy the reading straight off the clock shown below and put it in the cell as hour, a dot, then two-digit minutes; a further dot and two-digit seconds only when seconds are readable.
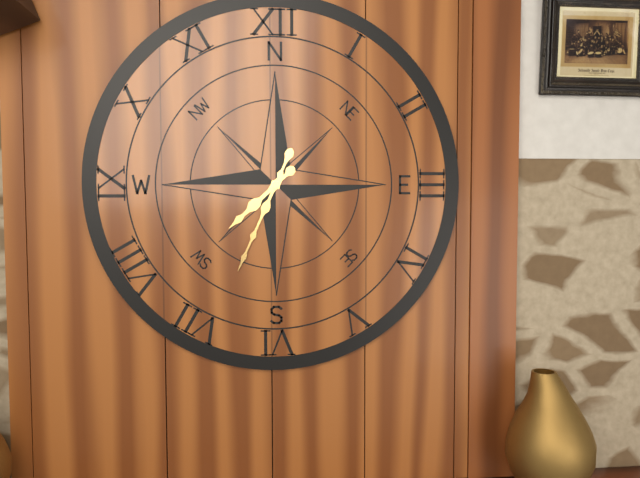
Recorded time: 7.34
